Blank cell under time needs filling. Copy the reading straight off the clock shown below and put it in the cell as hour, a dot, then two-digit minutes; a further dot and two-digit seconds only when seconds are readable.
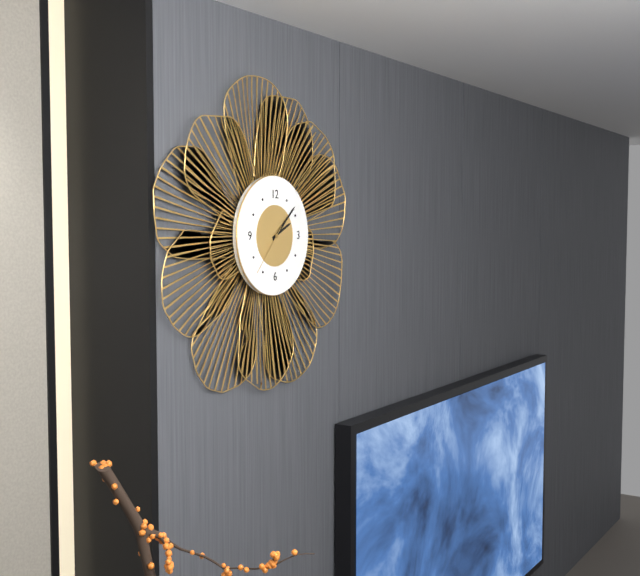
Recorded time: 2.08.37
